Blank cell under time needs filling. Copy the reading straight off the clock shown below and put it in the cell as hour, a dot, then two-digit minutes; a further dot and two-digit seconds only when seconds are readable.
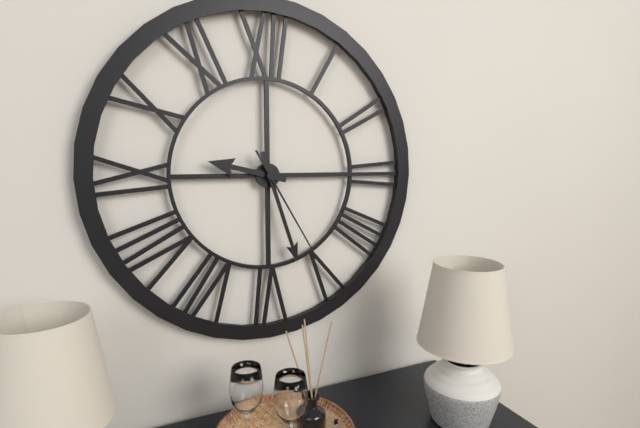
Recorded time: 9.27.25
